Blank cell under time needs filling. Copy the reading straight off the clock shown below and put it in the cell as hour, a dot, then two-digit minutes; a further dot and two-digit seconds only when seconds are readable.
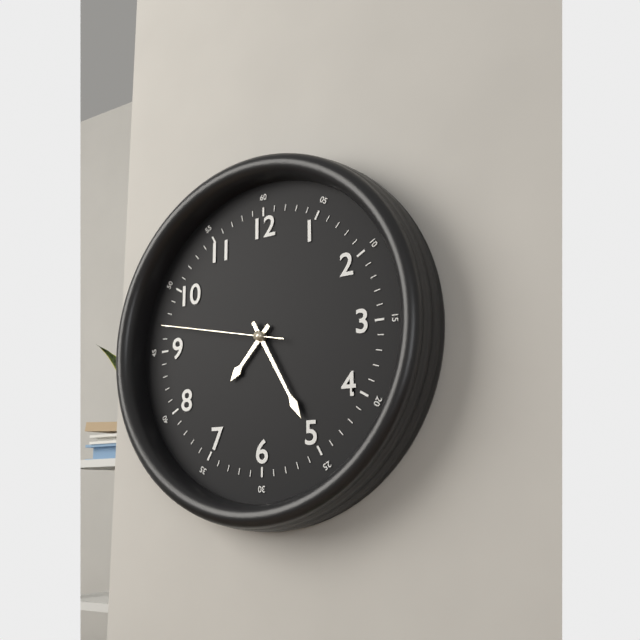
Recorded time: 7.25.47
